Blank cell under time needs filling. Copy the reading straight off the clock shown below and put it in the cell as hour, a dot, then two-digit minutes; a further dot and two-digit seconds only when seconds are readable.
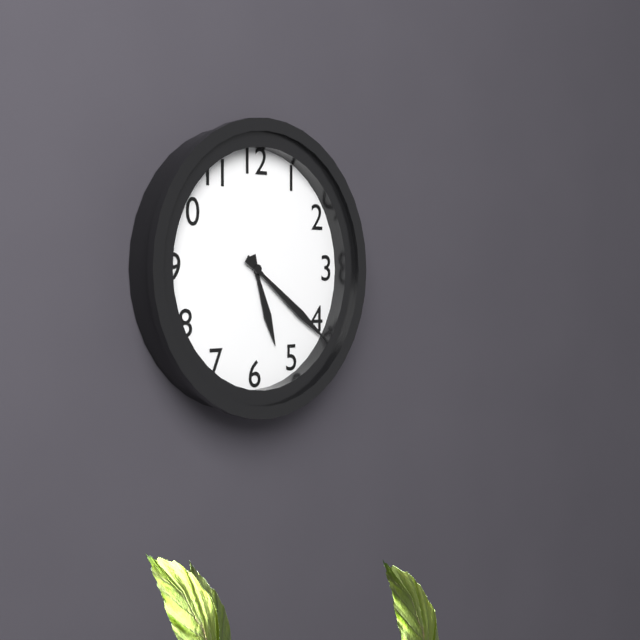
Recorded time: 5.21
